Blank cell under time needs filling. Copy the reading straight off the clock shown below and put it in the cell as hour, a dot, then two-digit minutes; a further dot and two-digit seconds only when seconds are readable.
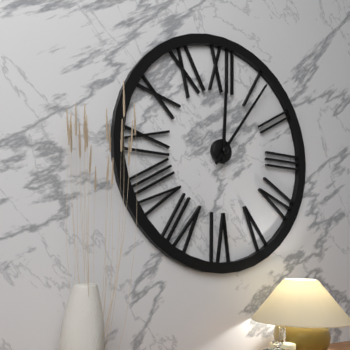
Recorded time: 12.06
